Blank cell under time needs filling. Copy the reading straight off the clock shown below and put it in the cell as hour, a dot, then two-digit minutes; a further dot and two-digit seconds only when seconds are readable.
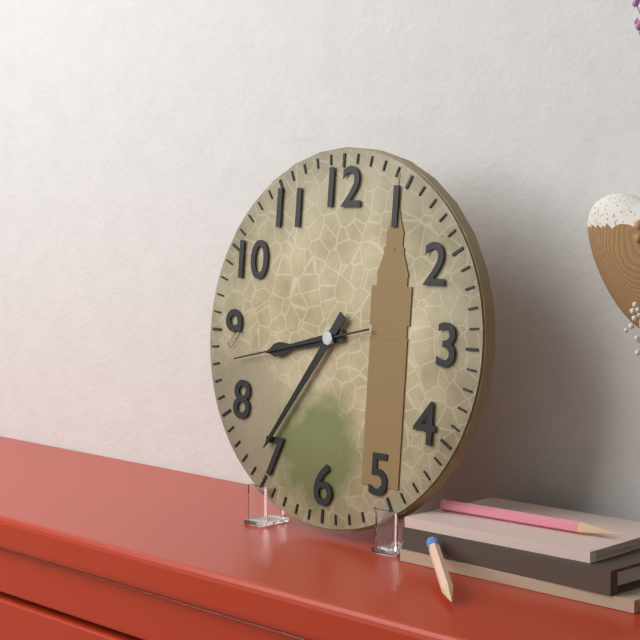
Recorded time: 8.36.43
